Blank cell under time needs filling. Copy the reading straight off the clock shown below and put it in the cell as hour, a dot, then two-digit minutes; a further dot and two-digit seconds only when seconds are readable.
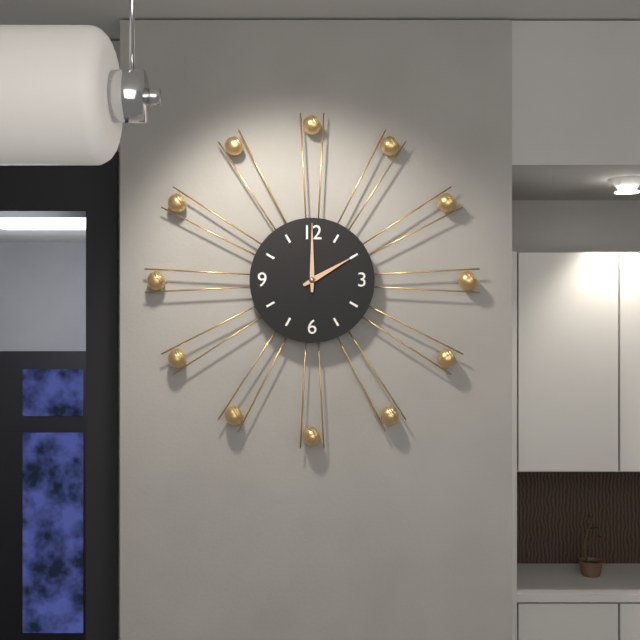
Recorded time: 2.00
